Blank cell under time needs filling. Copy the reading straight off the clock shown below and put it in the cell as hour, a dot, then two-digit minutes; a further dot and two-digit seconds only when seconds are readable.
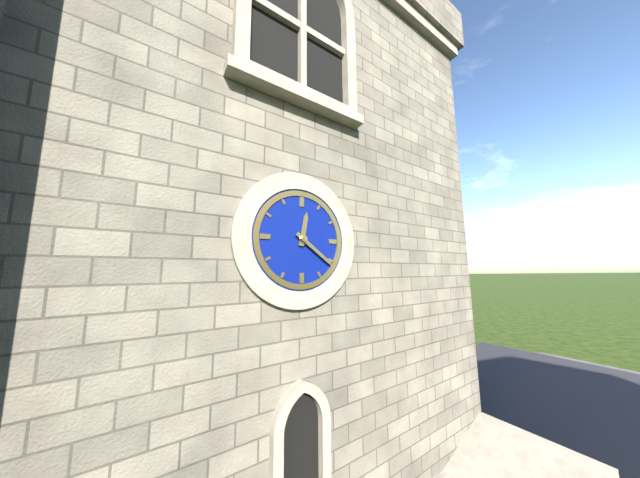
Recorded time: 12.21
